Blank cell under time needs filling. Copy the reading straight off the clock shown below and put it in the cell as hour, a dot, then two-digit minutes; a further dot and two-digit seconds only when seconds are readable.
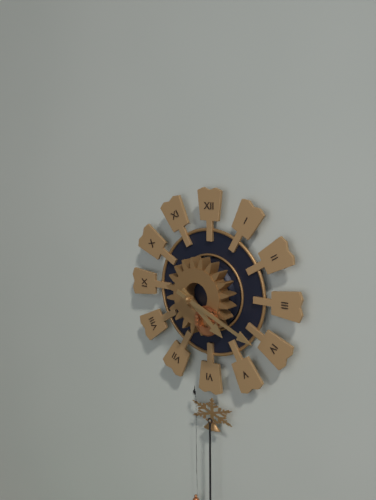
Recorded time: 4.19
